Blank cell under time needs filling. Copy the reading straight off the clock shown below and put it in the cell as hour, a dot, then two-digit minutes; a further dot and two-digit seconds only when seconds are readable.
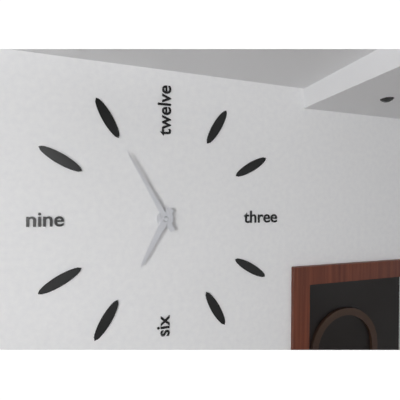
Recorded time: 6.55
